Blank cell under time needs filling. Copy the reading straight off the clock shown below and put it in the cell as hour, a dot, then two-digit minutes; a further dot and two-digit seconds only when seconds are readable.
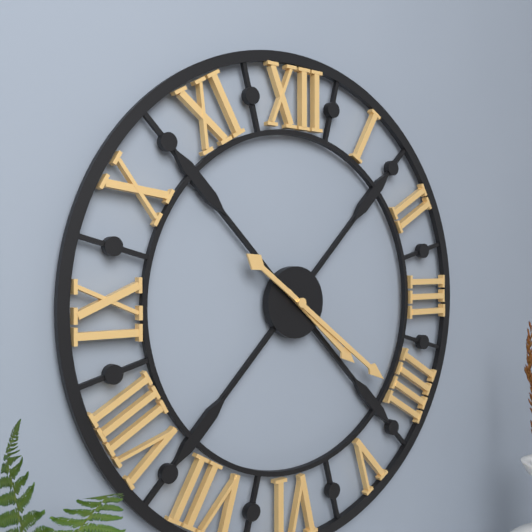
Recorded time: 4.21
